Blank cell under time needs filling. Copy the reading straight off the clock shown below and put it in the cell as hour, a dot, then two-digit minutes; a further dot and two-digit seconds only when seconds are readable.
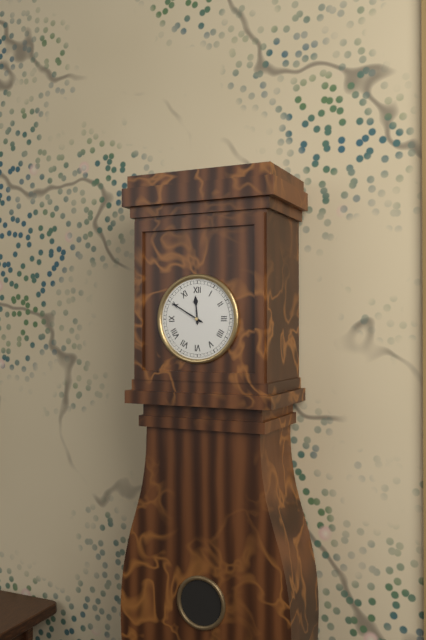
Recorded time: 11.50
